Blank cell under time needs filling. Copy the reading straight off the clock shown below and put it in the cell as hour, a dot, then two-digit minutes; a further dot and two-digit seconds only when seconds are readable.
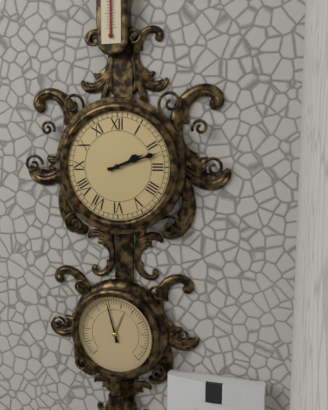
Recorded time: 2.12
